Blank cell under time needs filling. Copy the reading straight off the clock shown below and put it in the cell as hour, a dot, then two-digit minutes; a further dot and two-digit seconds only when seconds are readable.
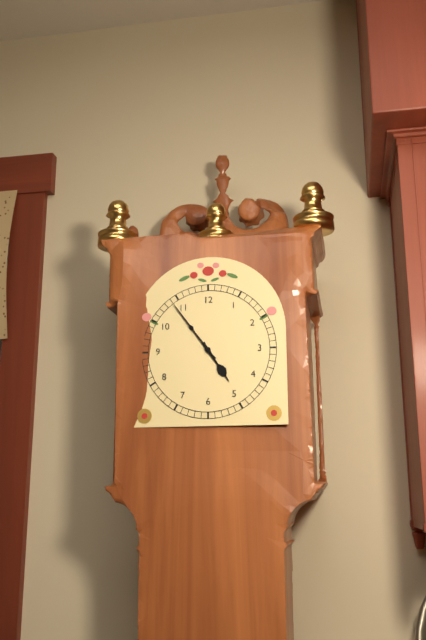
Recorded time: 4.54
